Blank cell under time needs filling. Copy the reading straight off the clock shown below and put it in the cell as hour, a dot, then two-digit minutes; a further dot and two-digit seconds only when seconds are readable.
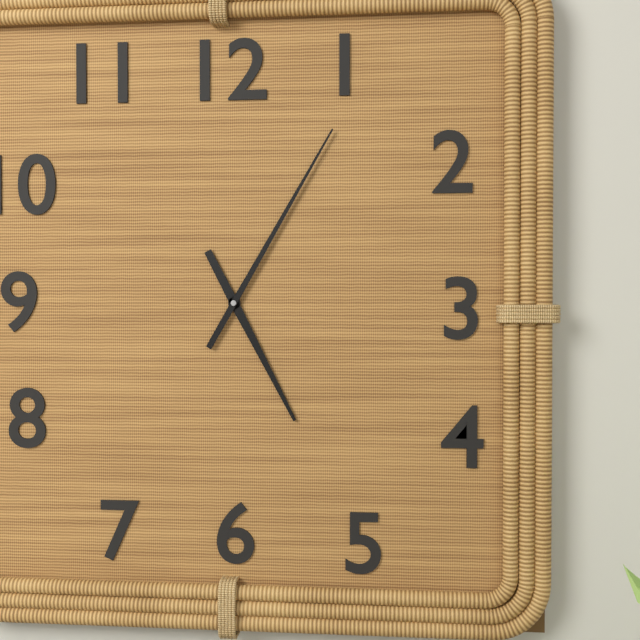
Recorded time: 5.05
